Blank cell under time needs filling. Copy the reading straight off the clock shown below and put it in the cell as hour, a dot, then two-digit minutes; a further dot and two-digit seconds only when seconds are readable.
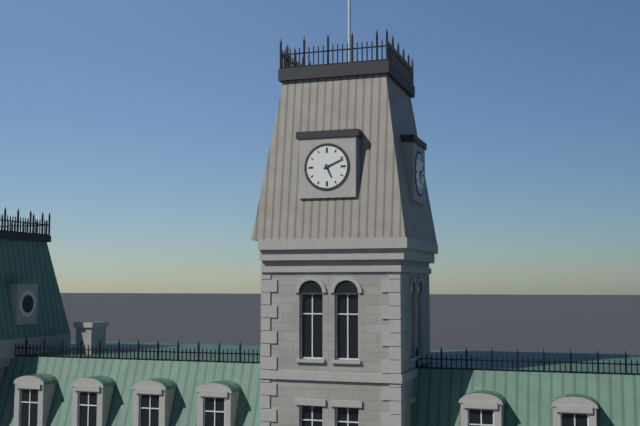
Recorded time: 5.11
